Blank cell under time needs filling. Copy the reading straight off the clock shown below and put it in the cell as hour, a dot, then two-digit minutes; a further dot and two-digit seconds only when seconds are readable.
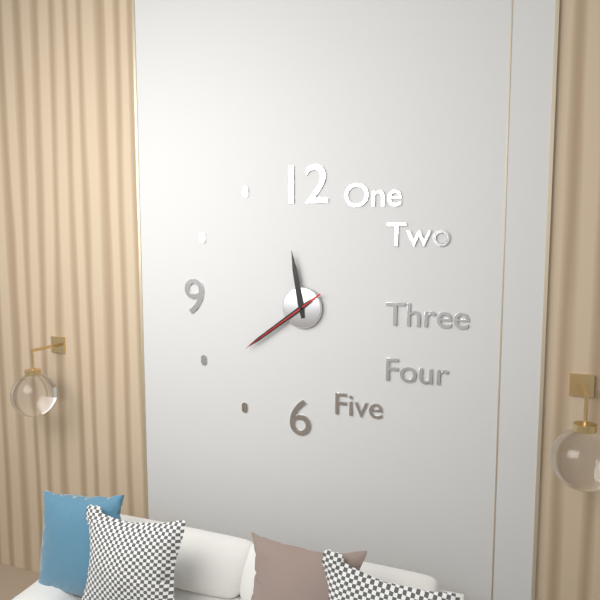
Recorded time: 11.39.39
